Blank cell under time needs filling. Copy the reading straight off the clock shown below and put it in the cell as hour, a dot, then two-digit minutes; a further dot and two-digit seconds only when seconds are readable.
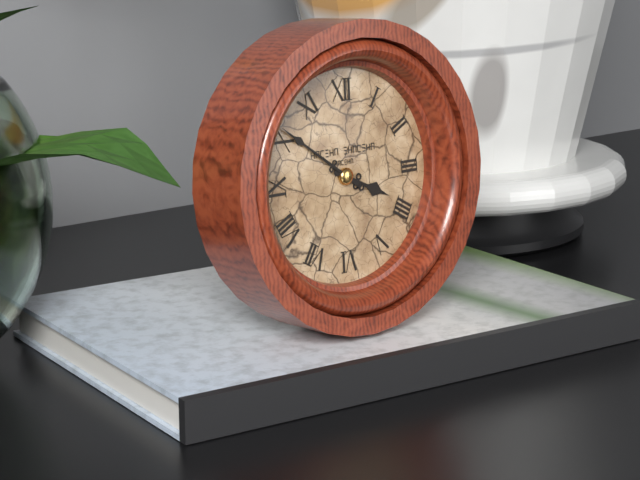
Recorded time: 3.51
